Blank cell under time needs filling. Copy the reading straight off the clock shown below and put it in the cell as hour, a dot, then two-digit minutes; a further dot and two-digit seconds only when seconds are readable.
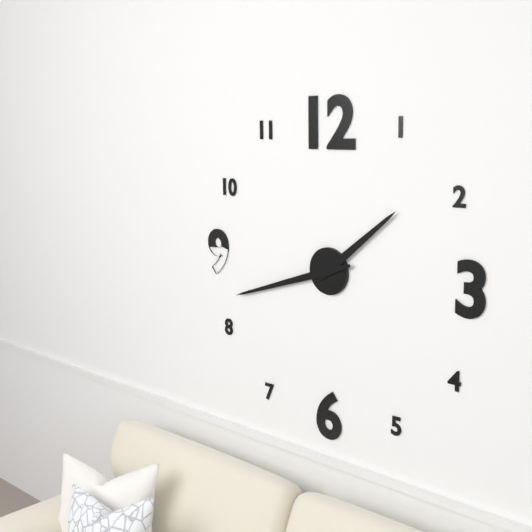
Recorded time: 1.42
